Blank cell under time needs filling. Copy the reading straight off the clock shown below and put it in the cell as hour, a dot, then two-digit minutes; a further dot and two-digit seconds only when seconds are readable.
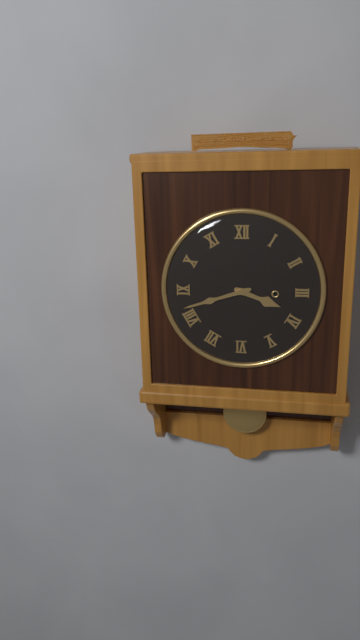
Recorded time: 3.42
